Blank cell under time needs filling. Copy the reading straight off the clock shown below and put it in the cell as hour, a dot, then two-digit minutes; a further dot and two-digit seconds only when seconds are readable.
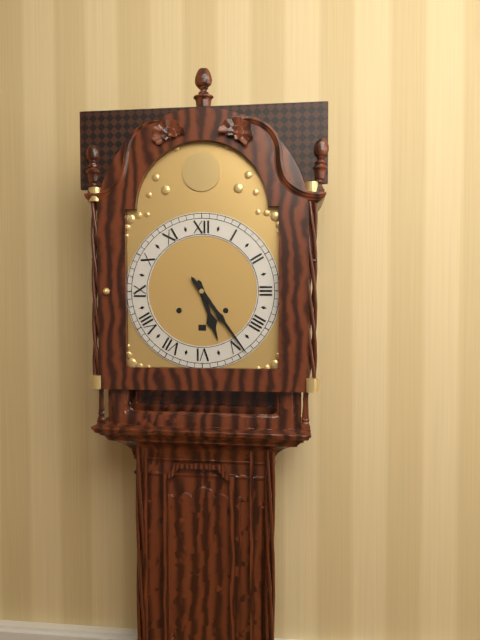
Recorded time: 5.24
